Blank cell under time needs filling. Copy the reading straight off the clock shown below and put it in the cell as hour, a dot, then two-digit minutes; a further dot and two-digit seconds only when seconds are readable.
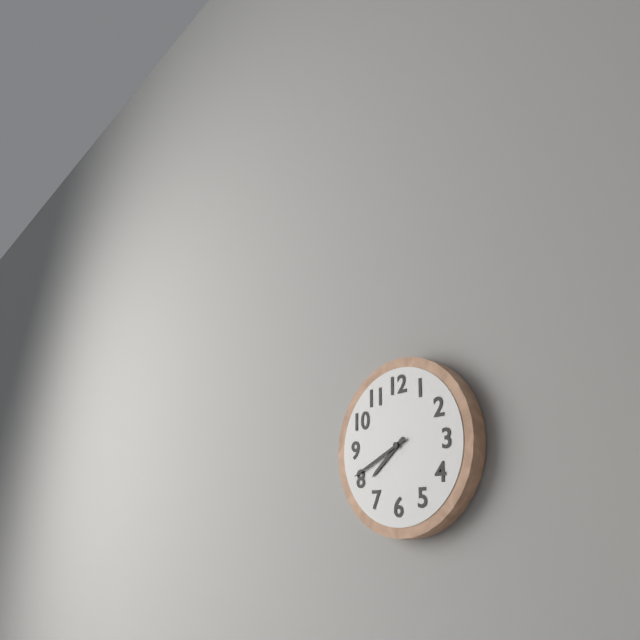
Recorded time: 7.41
